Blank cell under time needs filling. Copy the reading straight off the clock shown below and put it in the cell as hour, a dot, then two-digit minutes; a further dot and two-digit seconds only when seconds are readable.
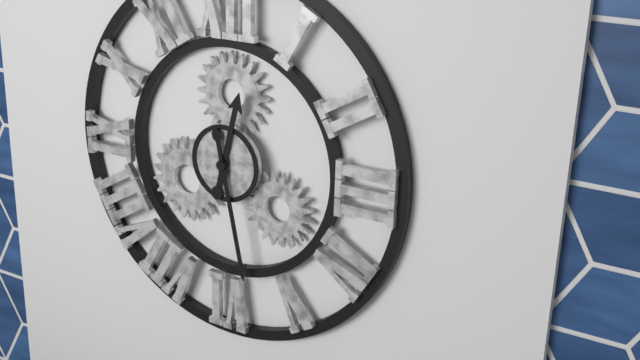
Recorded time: 12.28
